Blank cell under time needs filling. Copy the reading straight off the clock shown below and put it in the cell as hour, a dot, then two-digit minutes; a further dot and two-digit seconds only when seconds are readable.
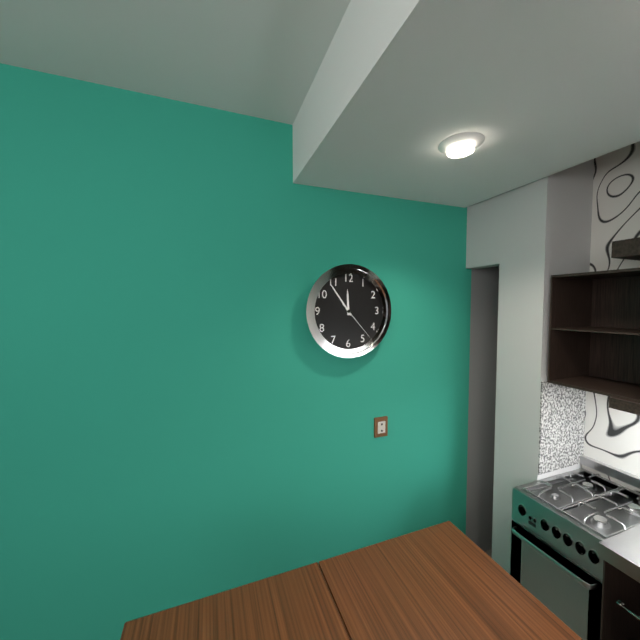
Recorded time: 11.54
